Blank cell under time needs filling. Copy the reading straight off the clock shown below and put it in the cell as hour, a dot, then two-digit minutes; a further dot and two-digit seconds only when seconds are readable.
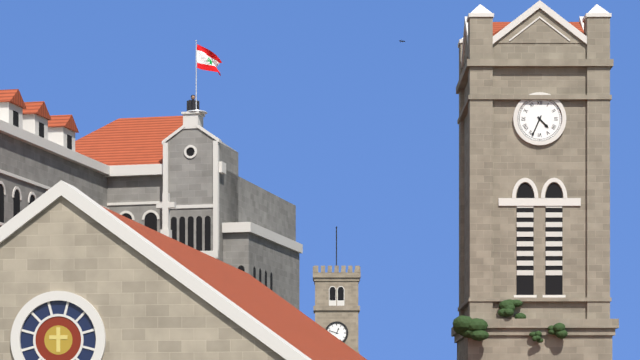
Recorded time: 4.34
